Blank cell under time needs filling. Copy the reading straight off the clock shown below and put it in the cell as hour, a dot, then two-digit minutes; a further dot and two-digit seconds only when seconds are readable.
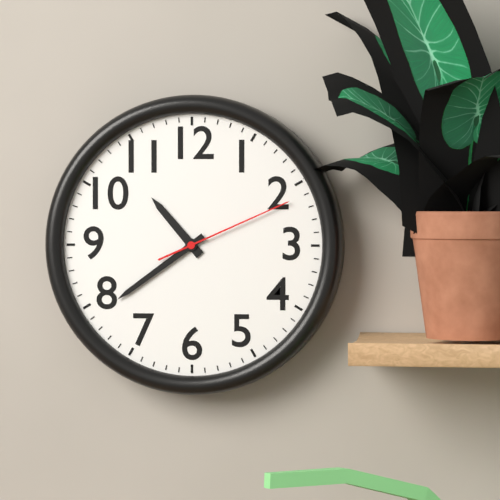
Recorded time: 10.39.11
